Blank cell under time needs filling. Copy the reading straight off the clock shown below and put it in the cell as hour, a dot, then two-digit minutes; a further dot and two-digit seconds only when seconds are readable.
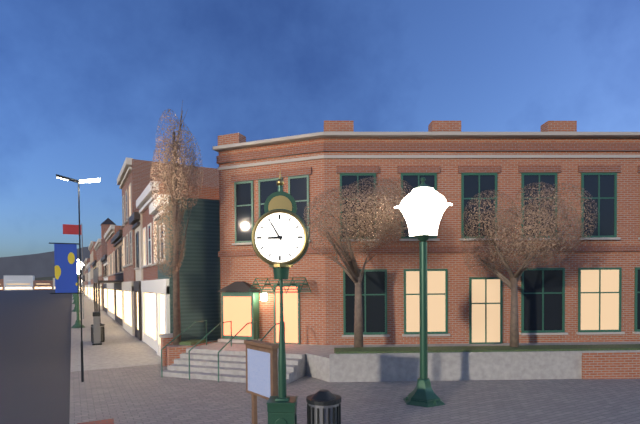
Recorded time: 8.55
